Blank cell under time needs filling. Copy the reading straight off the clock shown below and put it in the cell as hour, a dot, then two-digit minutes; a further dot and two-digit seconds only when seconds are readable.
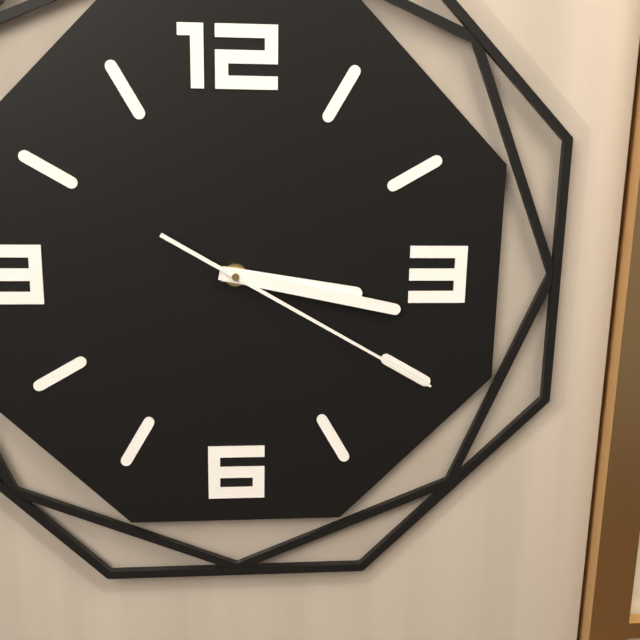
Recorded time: 3.17.20
